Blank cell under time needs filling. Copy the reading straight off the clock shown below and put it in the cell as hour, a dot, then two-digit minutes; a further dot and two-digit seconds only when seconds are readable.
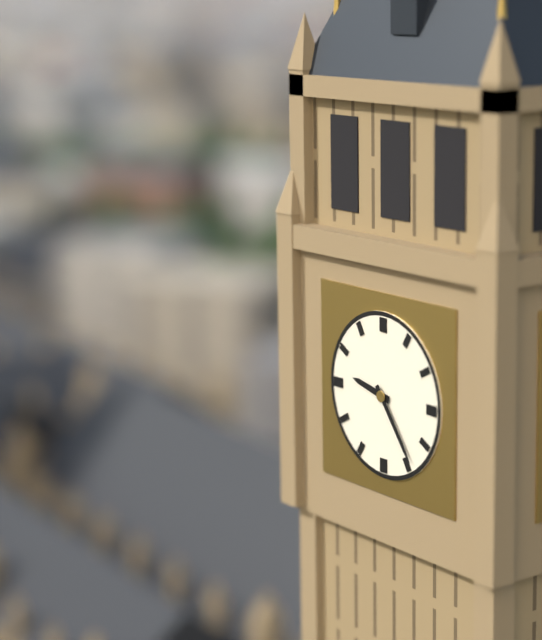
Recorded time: 9.24
